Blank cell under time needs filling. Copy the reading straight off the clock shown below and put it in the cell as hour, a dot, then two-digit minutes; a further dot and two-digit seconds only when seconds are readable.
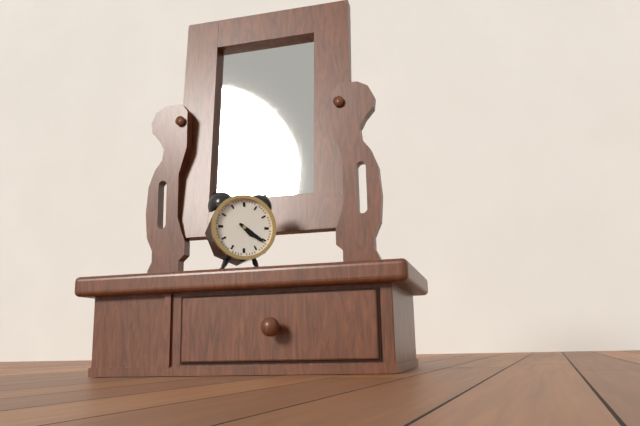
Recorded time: 4.21
